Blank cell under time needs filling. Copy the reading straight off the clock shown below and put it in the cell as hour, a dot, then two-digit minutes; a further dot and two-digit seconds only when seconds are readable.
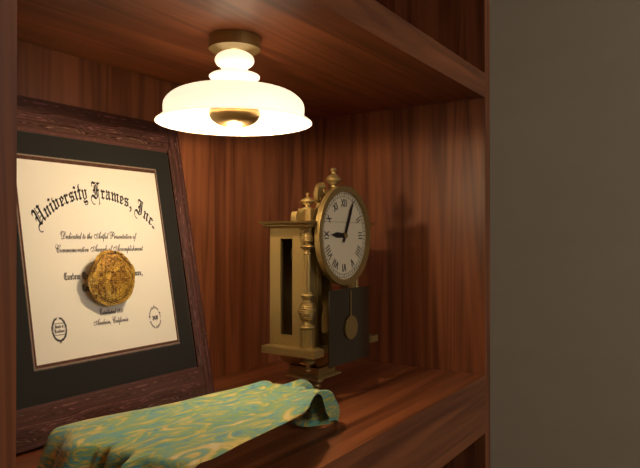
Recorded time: 9.04
